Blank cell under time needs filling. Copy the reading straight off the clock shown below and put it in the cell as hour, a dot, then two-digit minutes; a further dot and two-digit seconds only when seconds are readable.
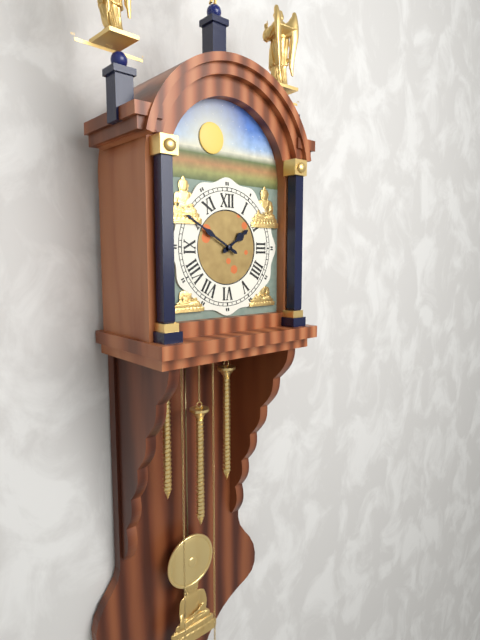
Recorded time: 1.50
